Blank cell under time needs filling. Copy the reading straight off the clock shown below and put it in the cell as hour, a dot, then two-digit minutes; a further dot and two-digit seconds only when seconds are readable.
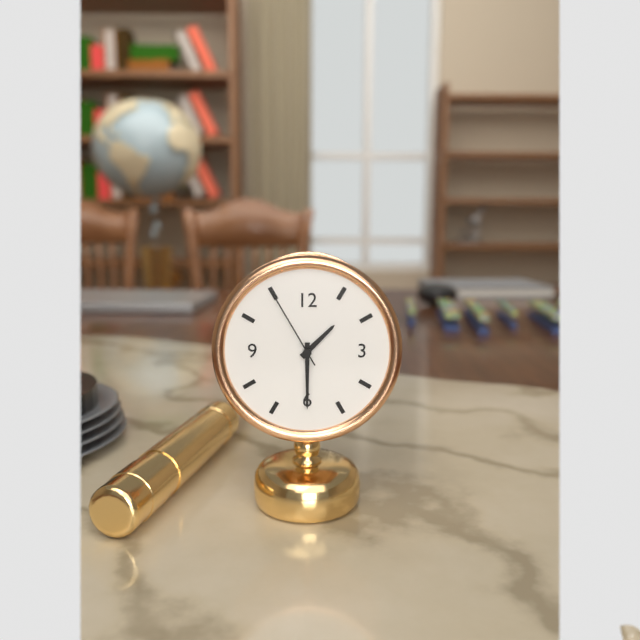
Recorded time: 1.30.55
